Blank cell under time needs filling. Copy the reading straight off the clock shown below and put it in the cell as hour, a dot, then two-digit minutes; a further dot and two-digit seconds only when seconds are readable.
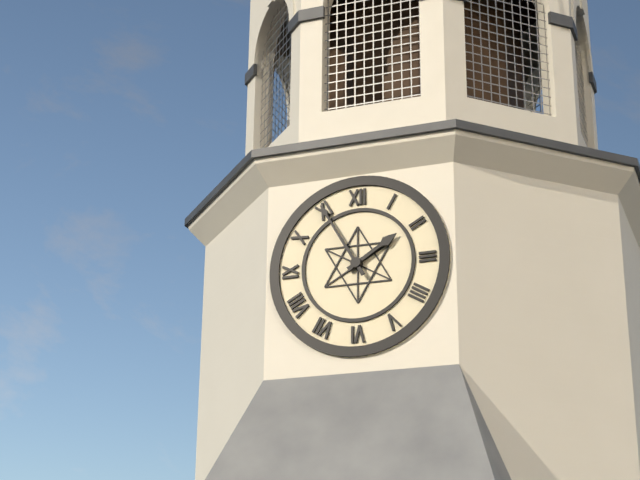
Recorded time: 1.55
